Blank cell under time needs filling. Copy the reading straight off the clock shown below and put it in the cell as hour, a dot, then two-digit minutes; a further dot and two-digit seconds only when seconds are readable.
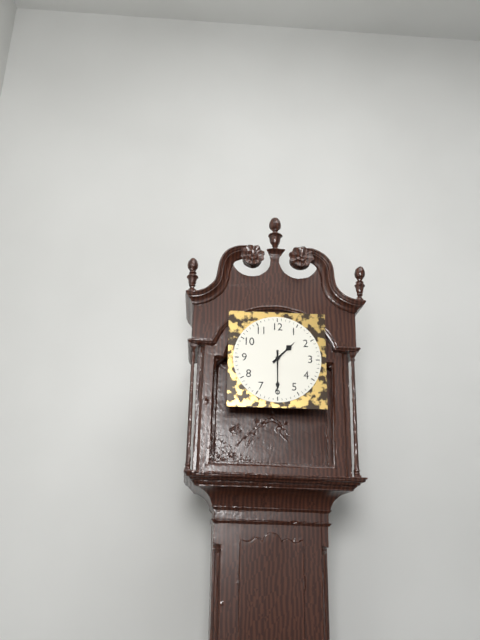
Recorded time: 1.30
